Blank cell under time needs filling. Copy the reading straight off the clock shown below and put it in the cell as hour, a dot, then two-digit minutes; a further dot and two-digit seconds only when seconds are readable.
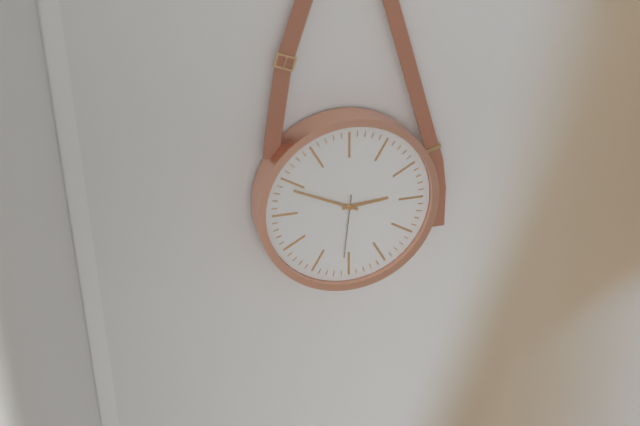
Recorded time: 2.49.31
